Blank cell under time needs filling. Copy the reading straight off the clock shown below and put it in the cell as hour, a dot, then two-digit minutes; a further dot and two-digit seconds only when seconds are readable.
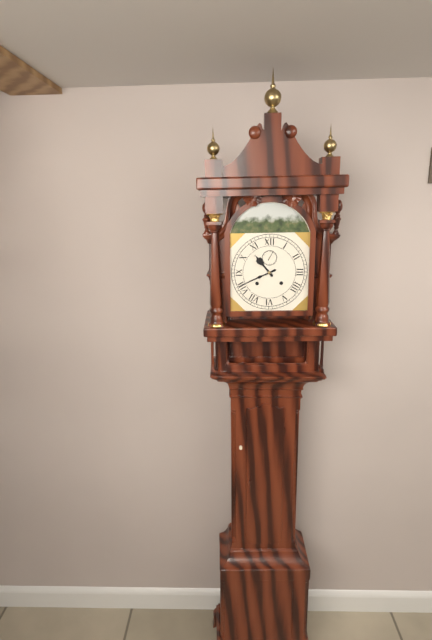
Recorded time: 10.41
